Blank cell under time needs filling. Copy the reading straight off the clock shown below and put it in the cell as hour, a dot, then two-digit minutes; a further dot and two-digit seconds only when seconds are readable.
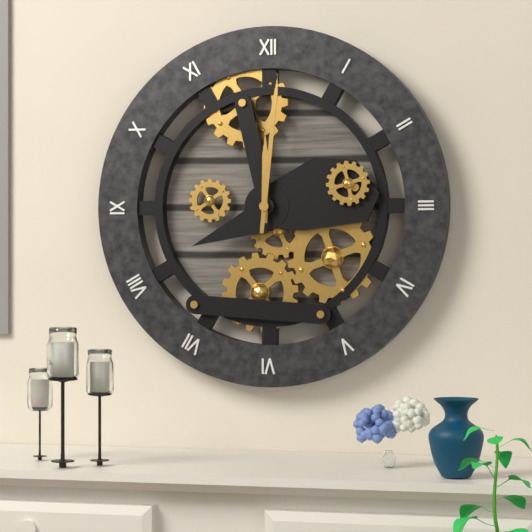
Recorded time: 12.01
